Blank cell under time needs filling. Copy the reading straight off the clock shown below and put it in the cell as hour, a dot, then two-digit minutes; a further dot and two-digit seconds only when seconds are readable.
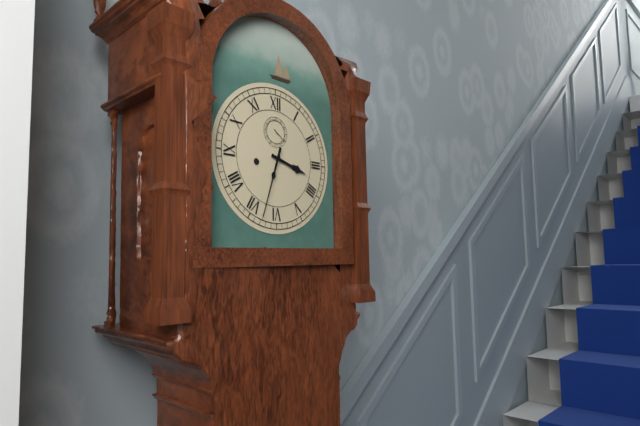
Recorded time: 3.33
